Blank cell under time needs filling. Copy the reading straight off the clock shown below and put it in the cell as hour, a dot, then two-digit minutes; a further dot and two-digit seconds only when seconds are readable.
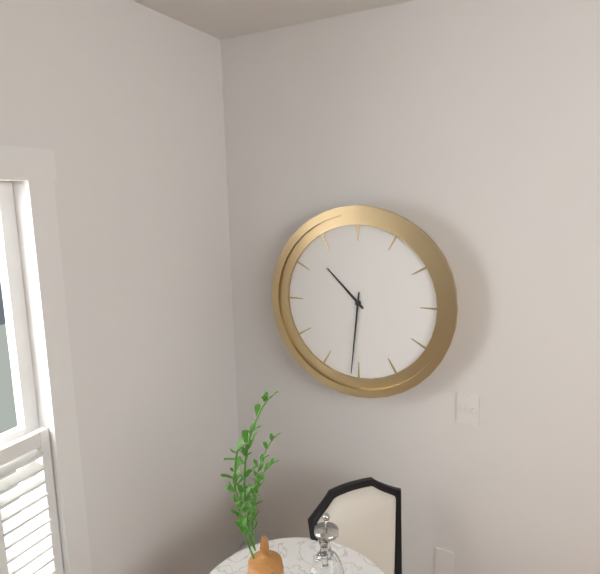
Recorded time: 10.31
